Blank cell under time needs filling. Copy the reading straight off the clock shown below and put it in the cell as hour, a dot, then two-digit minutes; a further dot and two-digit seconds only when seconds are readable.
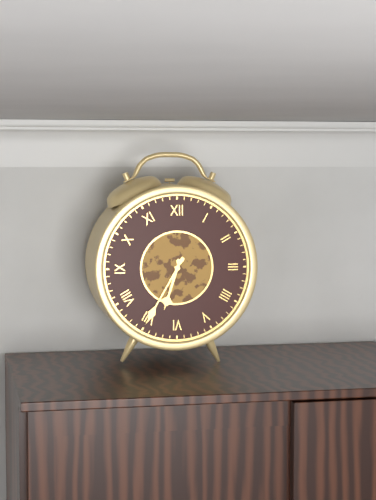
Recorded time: 6.35
